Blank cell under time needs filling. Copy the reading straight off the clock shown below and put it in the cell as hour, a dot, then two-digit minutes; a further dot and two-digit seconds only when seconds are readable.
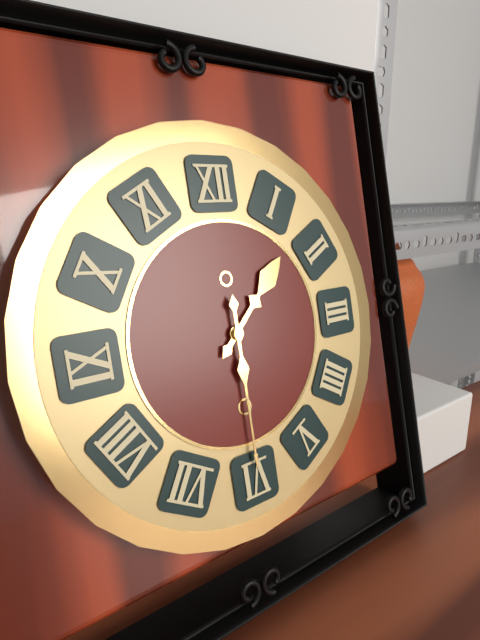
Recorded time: 1.30
